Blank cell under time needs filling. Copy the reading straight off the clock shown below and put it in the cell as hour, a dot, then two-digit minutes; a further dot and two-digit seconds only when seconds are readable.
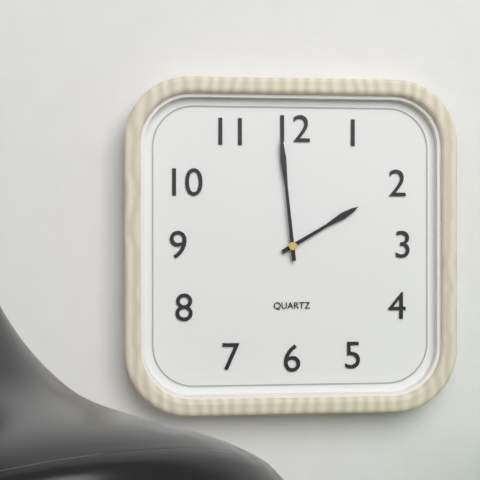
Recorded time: 1.59
